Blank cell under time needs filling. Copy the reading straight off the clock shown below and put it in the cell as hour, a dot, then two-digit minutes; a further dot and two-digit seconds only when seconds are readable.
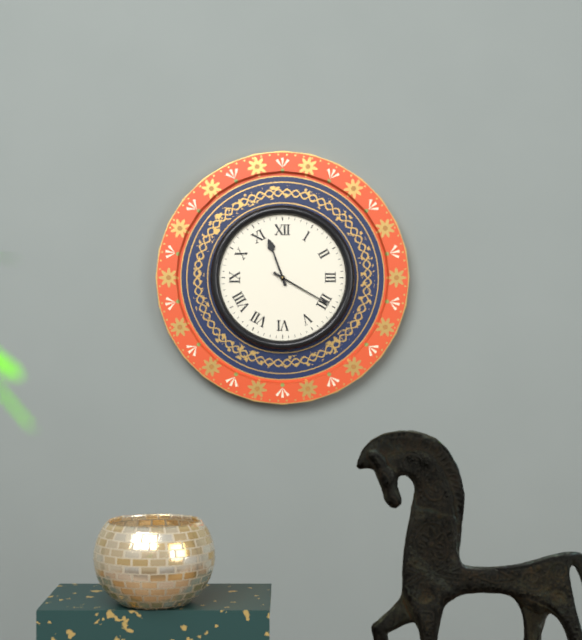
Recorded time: 11.20
